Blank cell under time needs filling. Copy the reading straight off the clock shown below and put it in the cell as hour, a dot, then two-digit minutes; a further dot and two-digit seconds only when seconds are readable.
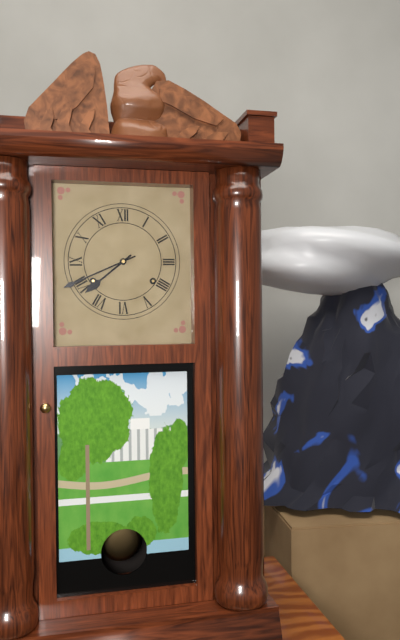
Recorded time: 7.41
